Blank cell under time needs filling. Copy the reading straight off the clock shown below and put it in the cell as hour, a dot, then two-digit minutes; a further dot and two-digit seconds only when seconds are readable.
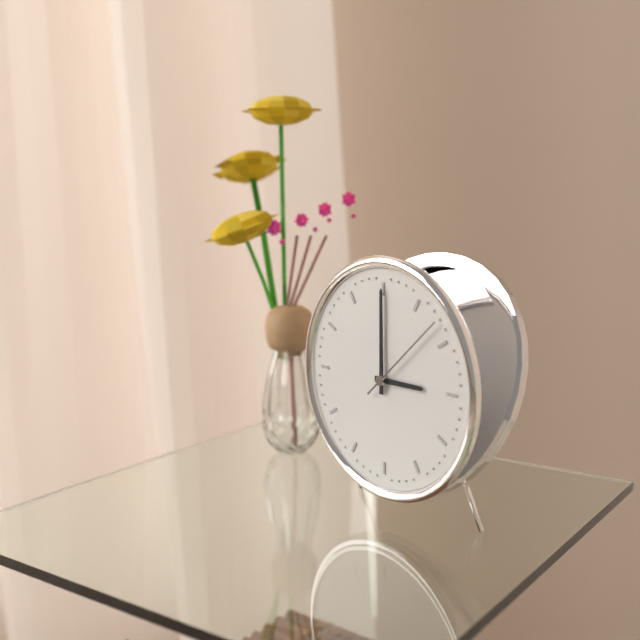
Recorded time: 3.00.08
